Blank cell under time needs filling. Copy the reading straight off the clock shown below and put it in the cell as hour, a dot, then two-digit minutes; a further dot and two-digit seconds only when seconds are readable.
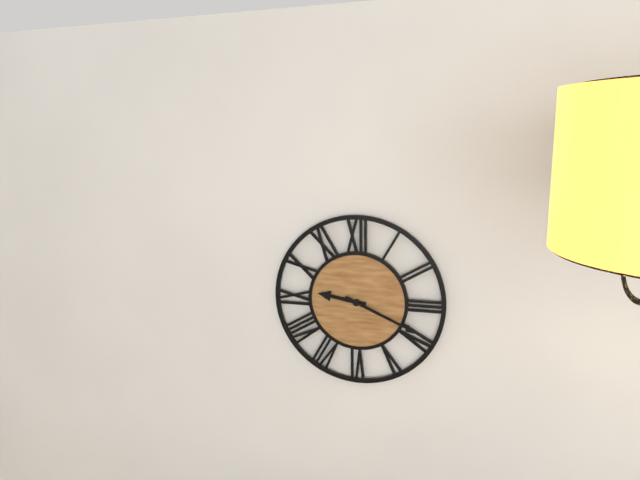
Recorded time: 9.19
